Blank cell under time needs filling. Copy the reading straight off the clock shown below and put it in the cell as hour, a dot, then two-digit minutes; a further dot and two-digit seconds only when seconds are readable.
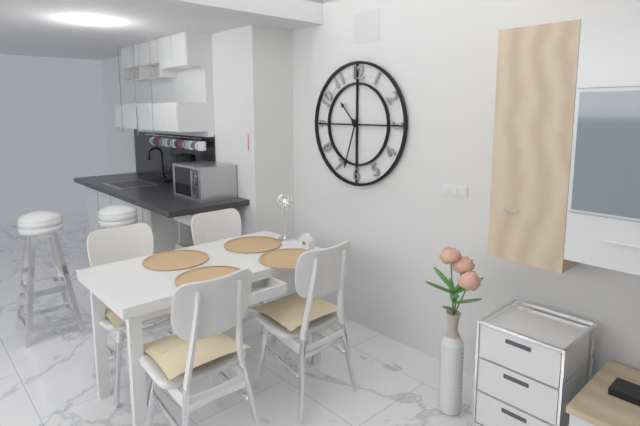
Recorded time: 10.33
